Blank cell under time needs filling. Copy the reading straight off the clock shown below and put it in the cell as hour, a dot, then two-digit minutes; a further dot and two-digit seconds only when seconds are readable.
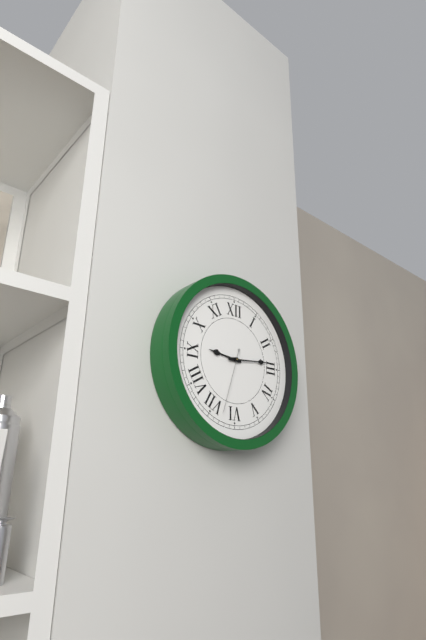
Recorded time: 9.14.33
